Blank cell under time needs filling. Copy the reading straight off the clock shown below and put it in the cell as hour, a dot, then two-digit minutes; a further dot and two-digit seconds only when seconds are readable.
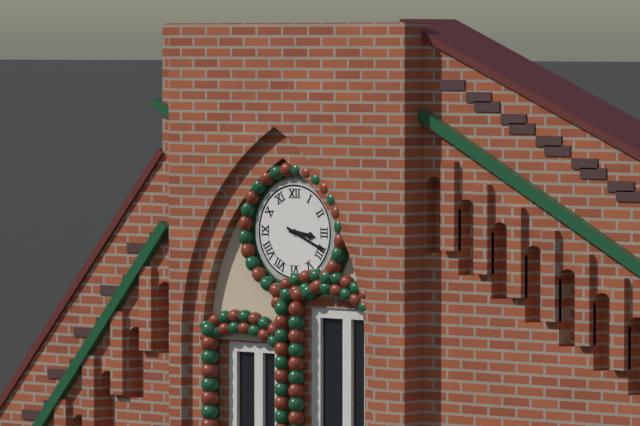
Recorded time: 3.19
